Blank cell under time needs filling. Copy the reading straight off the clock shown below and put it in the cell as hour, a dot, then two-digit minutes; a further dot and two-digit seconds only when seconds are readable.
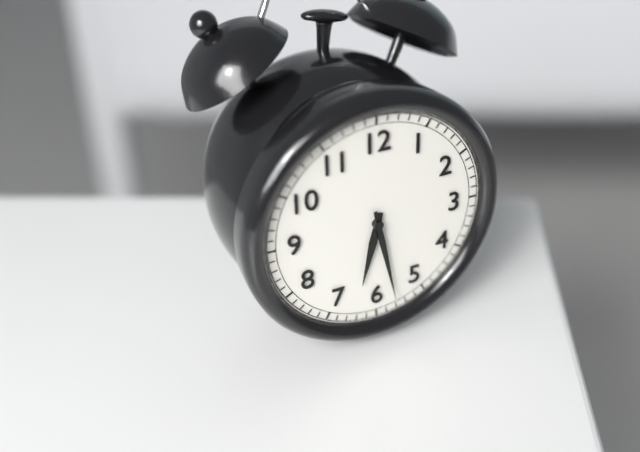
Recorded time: 6.28
